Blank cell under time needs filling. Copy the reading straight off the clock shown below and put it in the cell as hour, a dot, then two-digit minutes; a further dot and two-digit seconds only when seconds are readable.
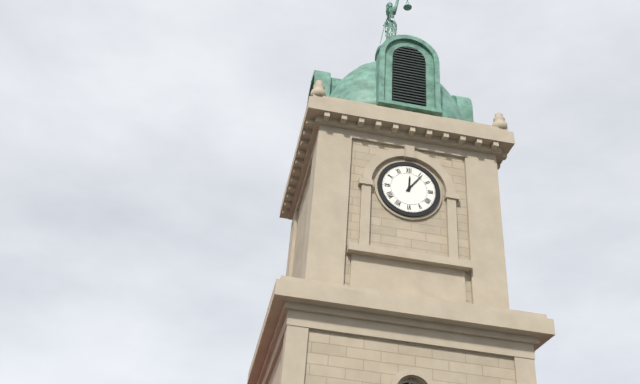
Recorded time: 12.06
